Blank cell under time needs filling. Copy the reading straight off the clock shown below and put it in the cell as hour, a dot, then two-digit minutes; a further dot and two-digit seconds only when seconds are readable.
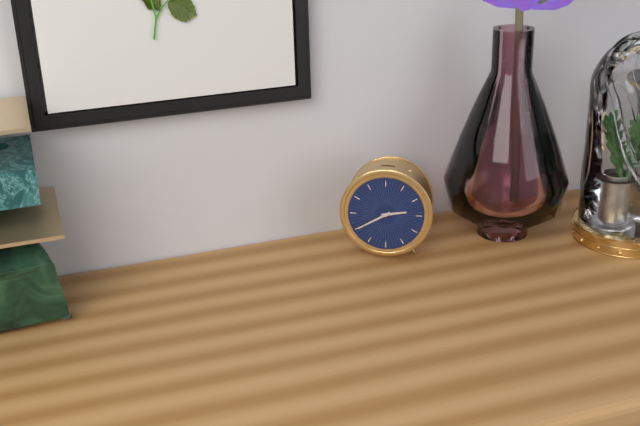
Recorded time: 2.40
